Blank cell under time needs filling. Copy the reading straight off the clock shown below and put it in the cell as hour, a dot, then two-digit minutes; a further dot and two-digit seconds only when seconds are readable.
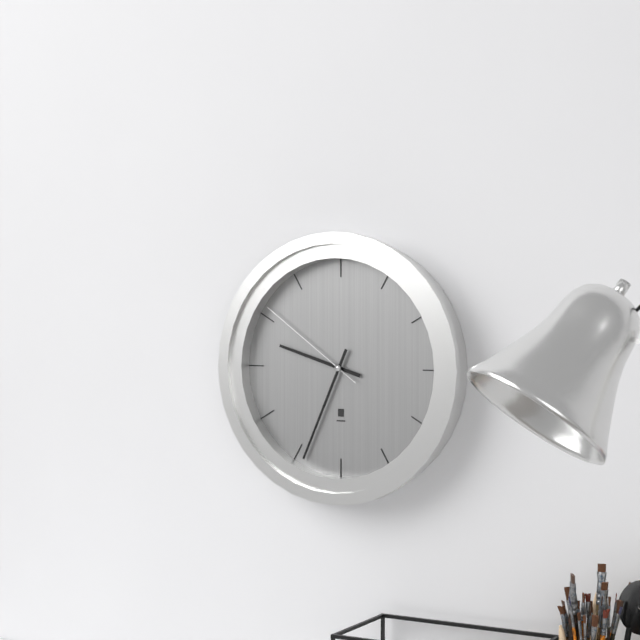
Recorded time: 9.34.51
